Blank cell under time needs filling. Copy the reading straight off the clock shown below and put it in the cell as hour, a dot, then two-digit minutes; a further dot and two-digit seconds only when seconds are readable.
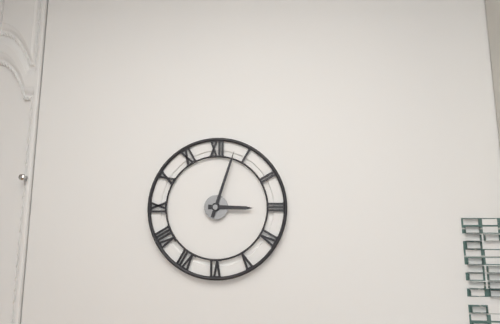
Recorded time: 3.03
